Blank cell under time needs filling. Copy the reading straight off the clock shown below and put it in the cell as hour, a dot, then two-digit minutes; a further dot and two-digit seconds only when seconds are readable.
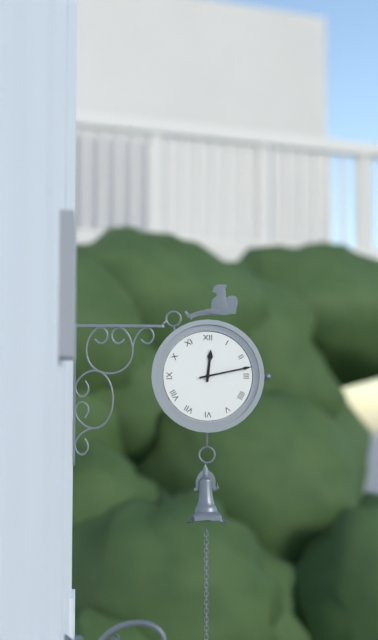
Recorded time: 12.13
